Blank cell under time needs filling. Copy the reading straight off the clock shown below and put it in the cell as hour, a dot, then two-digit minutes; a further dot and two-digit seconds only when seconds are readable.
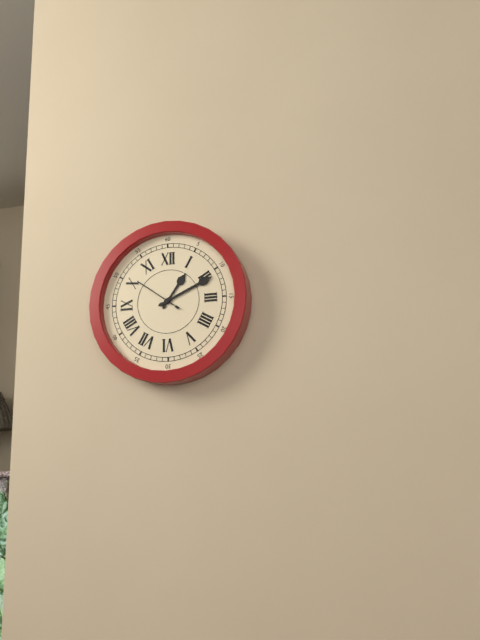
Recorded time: 1.11
